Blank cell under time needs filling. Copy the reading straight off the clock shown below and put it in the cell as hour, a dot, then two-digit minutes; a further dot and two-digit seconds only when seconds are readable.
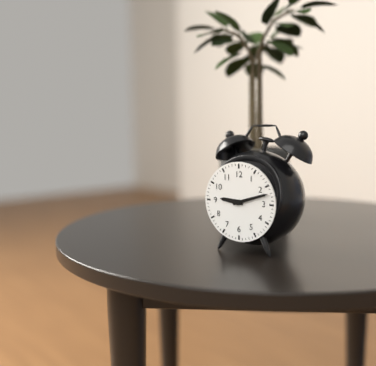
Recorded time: 9.12
